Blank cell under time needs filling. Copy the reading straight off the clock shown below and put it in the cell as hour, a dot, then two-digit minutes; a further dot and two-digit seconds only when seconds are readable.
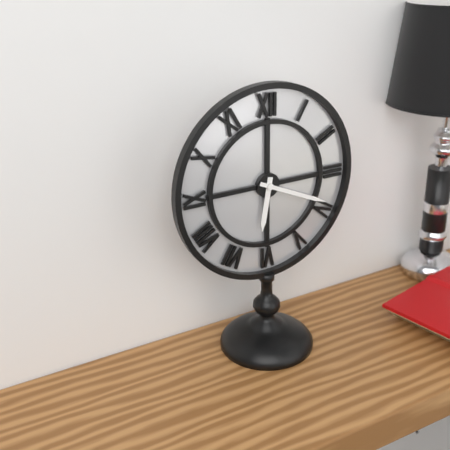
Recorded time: 6.19
